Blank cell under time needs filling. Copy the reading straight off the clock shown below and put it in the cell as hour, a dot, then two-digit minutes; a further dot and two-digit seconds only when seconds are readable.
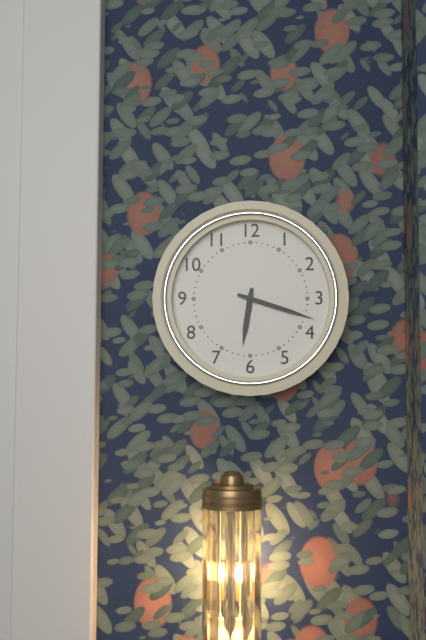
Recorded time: 6.18
